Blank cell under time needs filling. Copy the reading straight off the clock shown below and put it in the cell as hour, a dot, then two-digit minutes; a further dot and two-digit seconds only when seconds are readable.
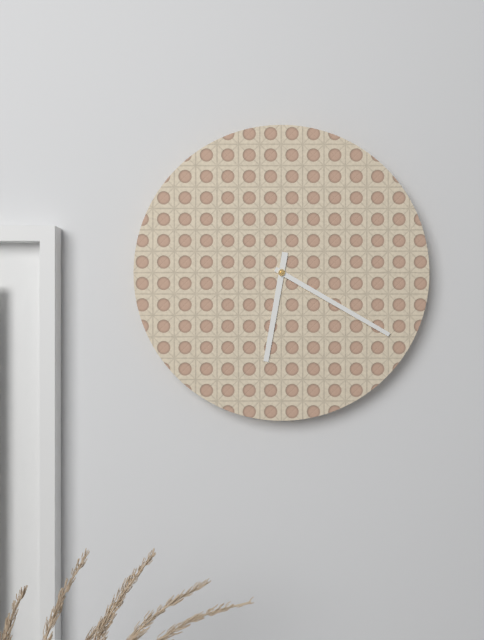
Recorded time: 6.20
